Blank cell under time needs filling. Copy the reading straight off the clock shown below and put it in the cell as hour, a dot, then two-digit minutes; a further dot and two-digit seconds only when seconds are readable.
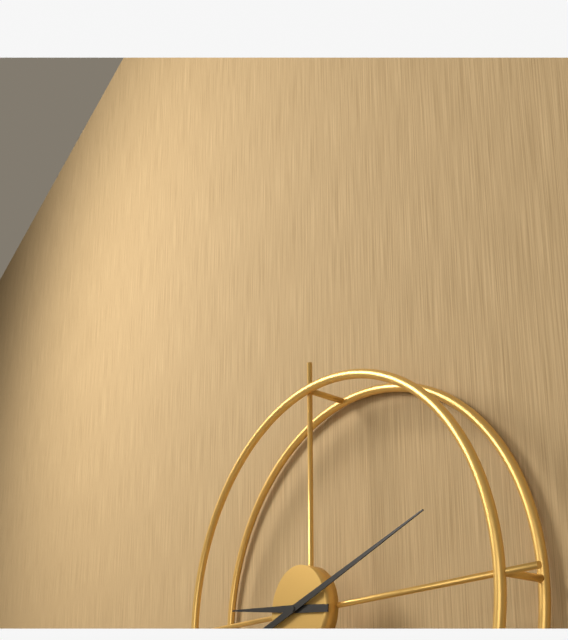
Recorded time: 9.12
